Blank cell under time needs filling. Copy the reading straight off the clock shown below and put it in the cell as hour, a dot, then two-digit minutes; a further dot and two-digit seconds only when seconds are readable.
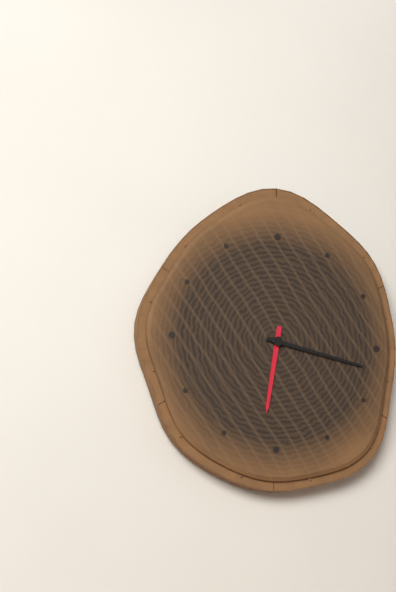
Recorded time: 6.17
